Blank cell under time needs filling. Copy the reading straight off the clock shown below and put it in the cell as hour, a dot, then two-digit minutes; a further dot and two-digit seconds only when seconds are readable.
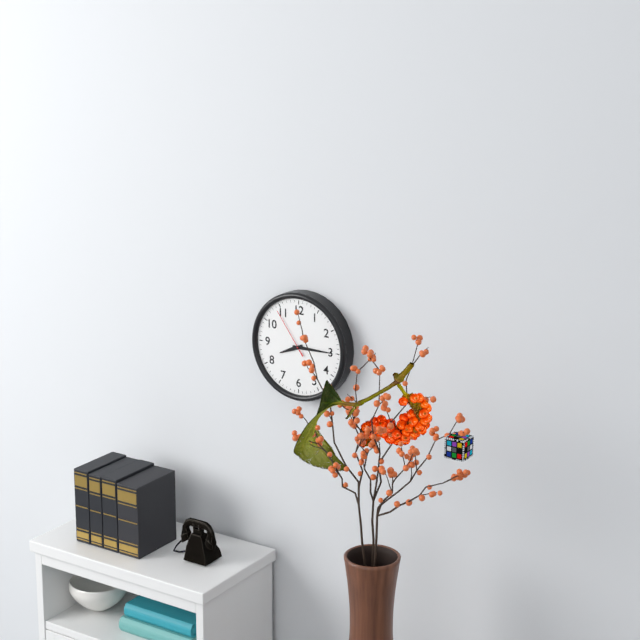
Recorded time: 8.15.54
